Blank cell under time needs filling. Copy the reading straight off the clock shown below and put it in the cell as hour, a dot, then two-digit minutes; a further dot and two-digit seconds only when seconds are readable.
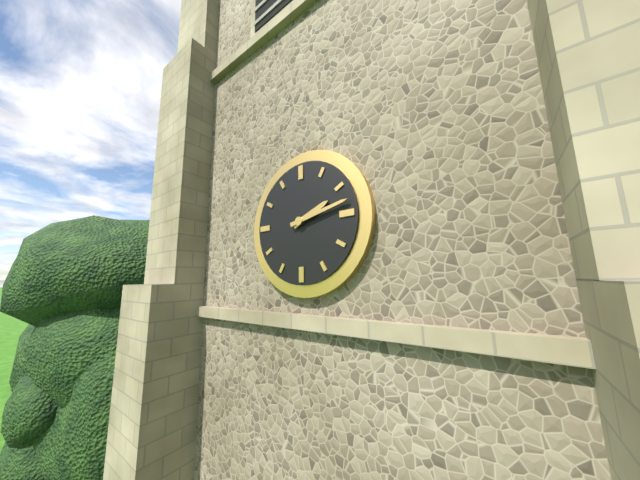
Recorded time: 2.13
